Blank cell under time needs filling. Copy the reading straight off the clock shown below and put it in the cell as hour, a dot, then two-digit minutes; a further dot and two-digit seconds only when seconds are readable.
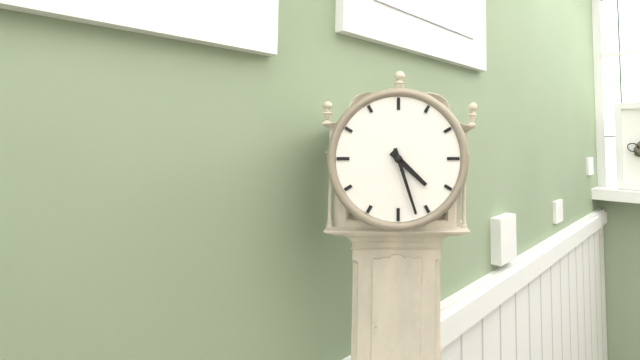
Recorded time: 4.27
